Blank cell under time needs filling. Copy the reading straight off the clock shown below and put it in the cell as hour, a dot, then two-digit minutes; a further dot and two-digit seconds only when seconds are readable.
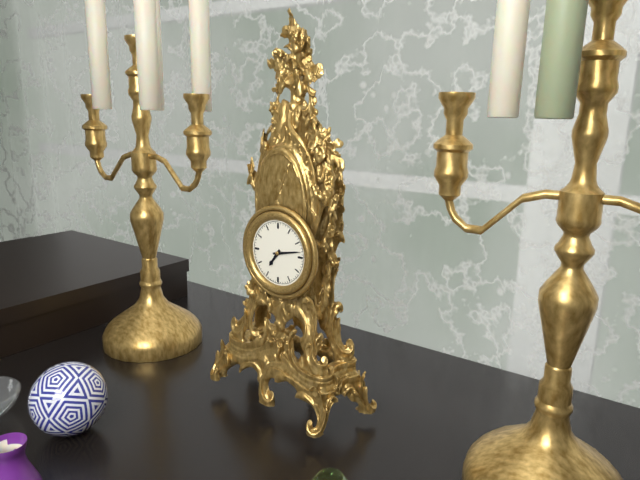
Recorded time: 7.13
